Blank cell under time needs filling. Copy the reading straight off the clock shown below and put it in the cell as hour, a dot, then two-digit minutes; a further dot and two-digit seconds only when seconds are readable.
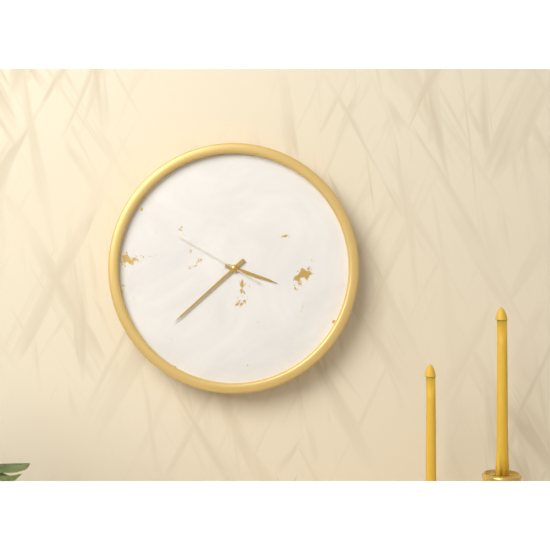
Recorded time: 3.38.50
